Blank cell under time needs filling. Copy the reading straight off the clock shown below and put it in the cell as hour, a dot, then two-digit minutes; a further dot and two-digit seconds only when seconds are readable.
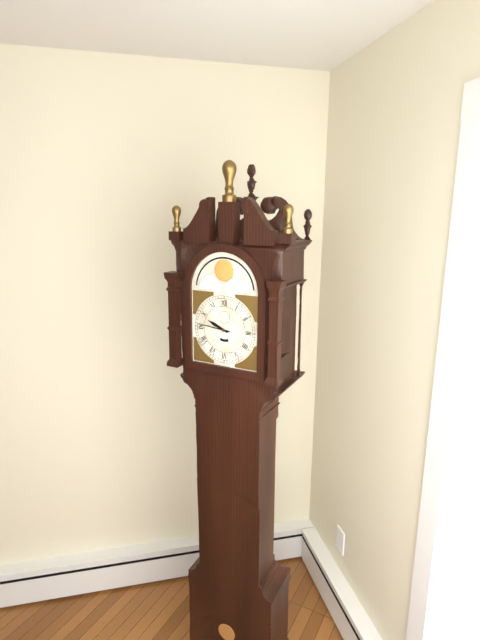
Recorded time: 9.46
